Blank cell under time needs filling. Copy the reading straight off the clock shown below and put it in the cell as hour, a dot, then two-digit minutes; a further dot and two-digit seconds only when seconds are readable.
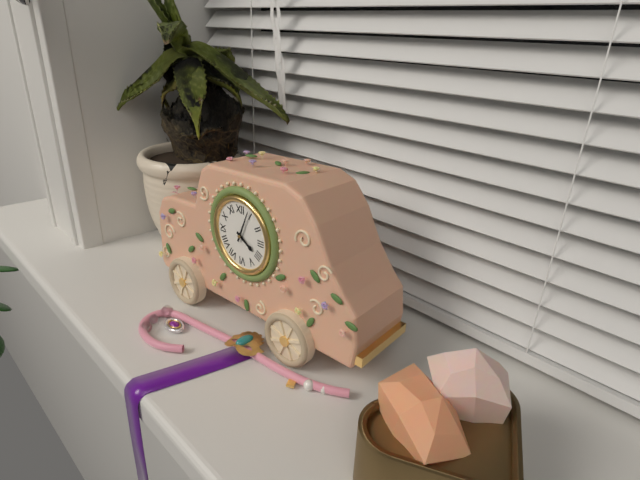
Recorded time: 4.04
